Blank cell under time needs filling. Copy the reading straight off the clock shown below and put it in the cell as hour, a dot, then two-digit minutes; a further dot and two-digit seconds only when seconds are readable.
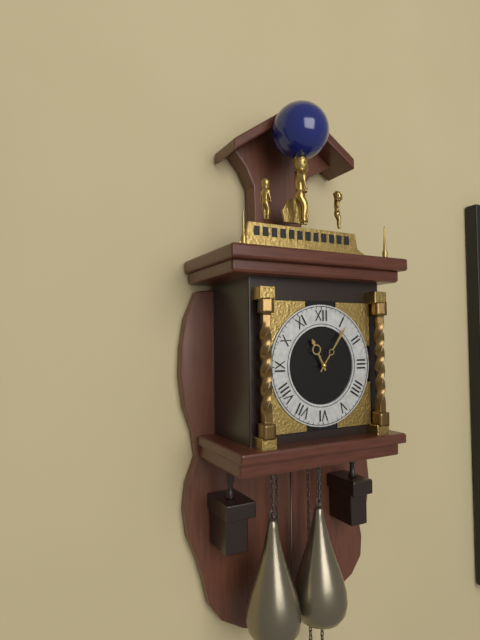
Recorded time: 11.06
